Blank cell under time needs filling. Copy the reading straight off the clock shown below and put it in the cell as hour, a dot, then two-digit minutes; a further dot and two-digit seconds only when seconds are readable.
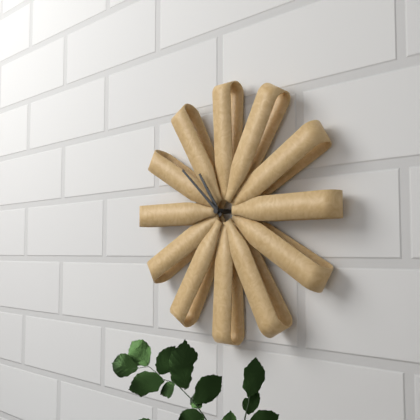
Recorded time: 10.52
